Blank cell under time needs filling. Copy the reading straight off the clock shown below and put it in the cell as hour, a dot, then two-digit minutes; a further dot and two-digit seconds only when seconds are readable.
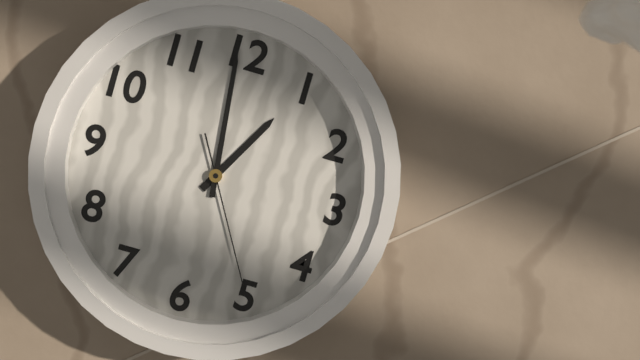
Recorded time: 12.59.25
